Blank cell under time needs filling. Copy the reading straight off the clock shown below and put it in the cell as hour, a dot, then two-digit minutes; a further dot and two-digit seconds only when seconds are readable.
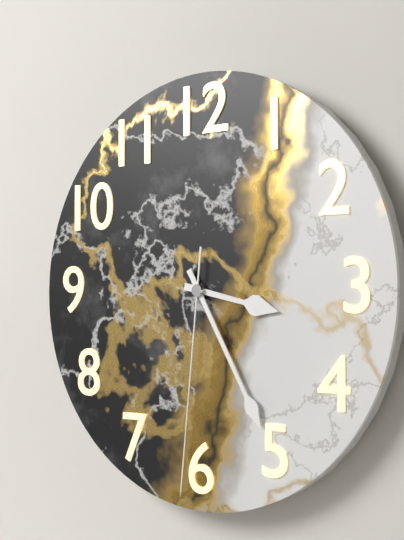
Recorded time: 3.25.31
